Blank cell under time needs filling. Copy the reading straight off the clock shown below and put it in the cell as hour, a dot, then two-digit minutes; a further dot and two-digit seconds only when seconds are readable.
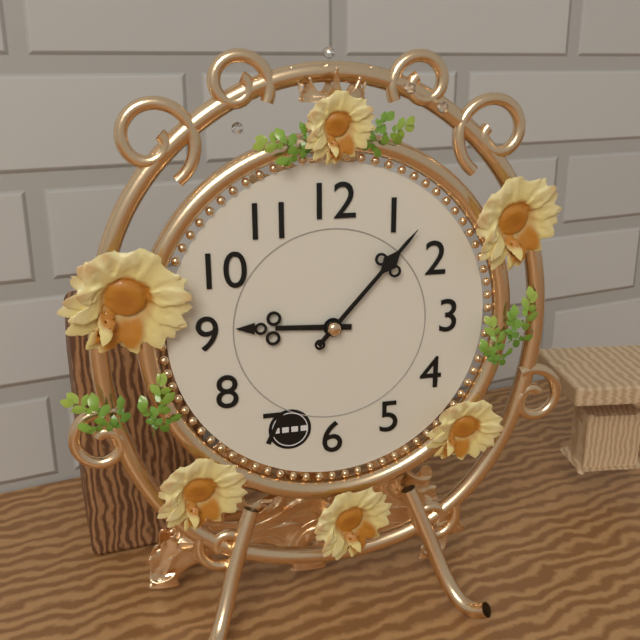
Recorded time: 9.07
